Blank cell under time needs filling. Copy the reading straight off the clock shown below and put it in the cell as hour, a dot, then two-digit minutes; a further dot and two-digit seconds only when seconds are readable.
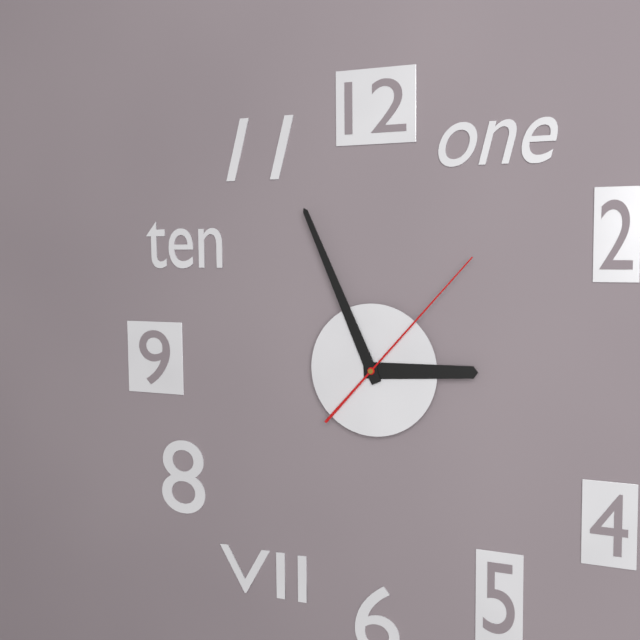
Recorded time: 2.56.07
